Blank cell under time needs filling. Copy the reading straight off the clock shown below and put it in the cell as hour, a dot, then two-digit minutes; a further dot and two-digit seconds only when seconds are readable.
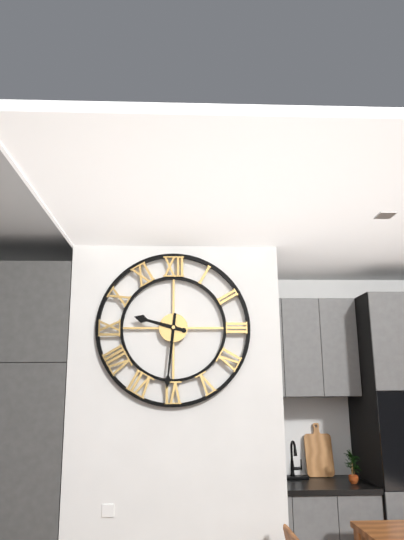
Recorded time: 9.31
